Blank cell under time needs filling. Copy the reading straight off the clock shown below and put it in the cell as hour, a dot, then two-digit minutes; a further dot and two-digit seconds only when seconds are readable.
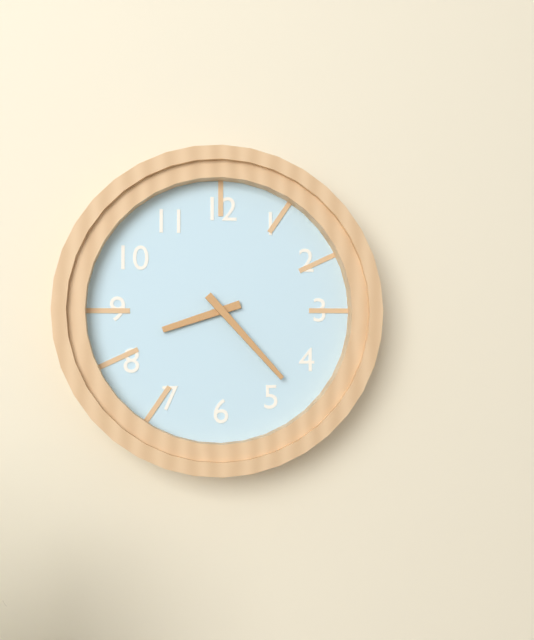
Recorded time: 8.23
